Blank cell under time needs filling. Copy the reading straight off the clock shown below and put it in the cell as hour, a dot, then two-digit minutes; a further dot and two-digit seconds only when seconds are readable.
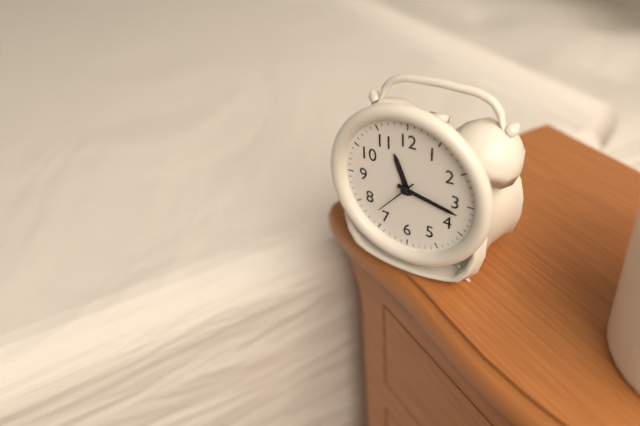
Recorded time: 11.17
